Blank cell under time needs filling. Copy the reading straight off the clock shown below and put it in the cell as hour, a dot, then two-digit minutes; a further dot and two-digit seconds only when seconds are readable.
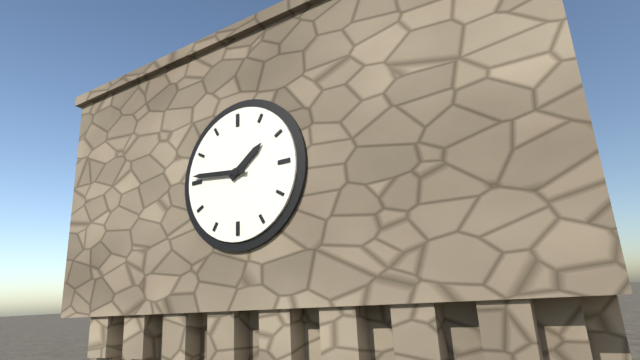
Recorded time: 1.46
